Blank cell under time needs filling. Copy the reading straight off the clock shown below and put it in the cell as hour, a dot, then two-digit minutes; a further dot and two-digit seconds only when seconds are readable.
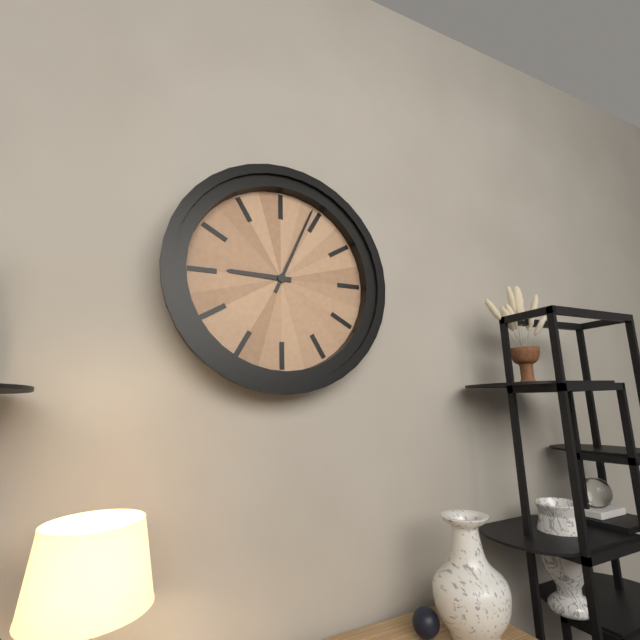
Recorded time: 9.04
